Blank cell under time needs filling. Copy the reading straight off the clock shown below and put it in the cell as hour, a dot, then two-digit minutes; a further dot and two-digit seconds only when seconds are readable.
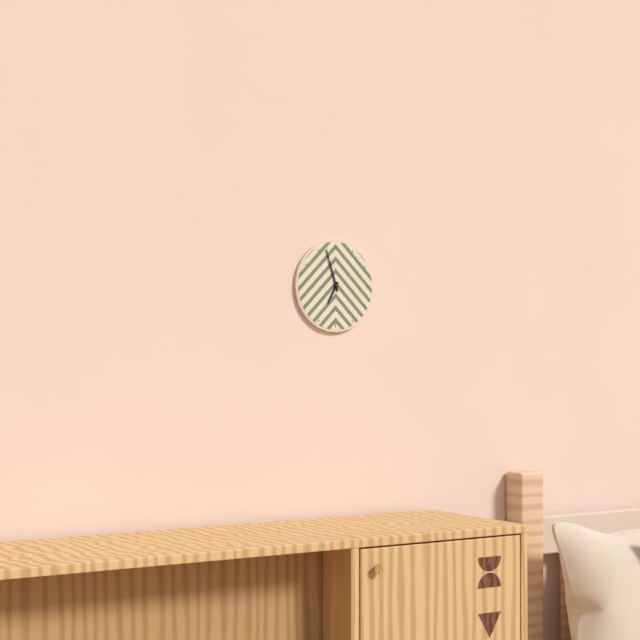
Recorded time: 6.57
